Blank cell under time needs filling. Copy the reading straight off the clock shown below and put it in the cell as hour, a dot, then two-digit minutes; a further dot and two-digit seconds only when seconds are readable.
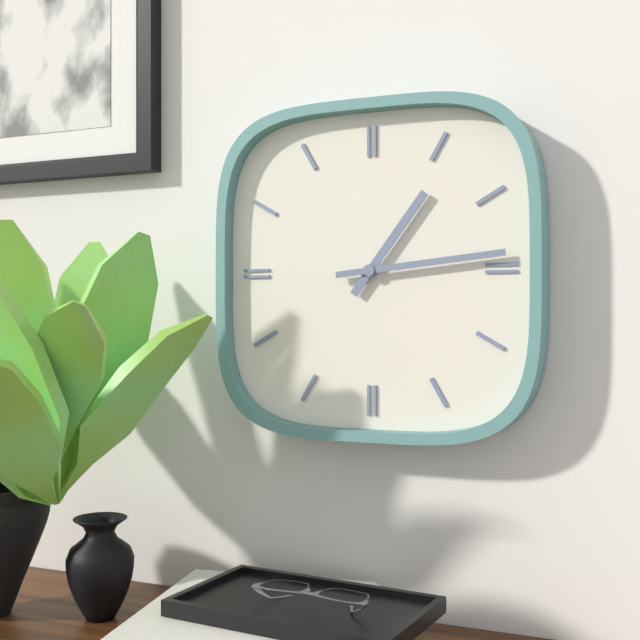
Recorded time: 1.14
